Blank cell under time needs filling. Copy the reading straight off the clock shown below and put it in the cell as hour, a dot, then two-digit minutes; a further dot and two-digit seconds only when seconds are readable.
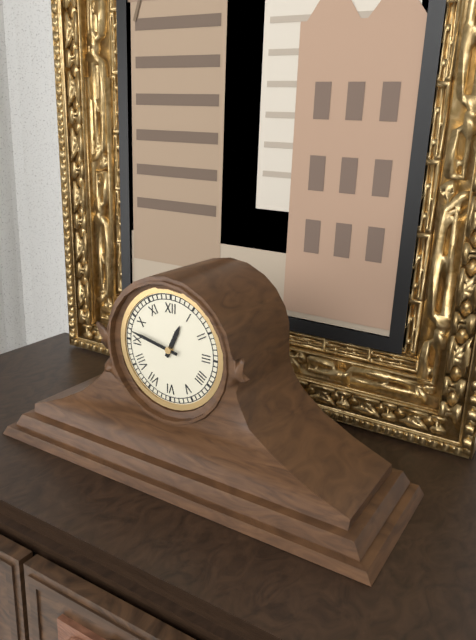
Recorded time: 12.47
